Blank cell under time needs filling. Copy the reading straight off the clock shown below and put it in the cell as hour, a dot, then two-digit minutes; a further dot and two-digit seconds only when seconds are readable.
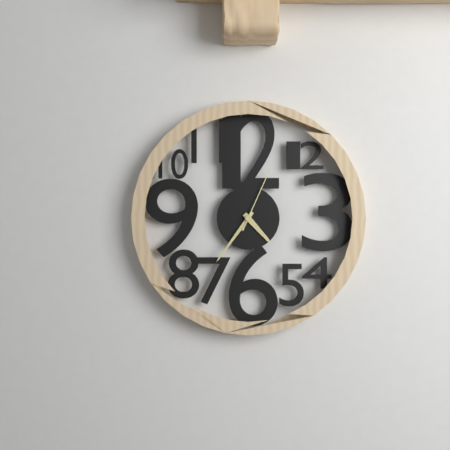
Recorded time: 4.36.04
